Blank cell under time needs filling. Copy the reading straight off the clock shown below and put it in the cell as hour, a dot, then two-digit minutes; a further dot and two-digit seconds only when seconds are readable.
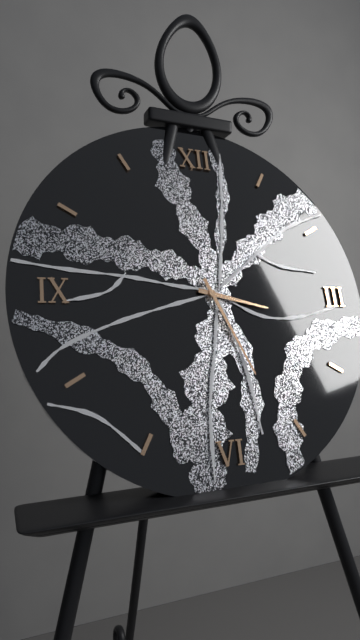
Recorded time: 3.26
